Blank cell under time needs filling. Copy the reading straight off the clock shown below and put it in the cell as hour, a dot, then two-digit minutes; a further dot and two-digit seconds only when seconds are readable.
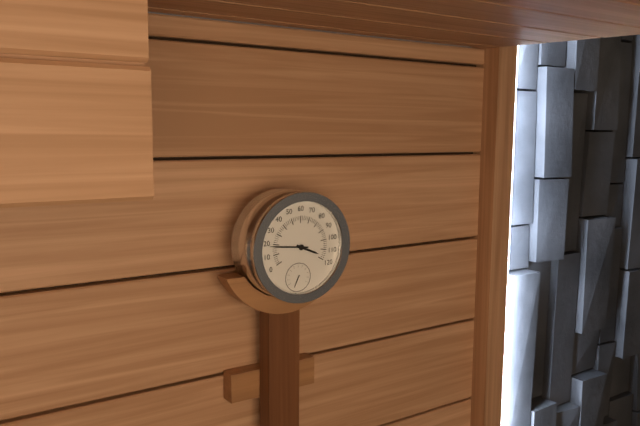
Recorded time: 3.46
